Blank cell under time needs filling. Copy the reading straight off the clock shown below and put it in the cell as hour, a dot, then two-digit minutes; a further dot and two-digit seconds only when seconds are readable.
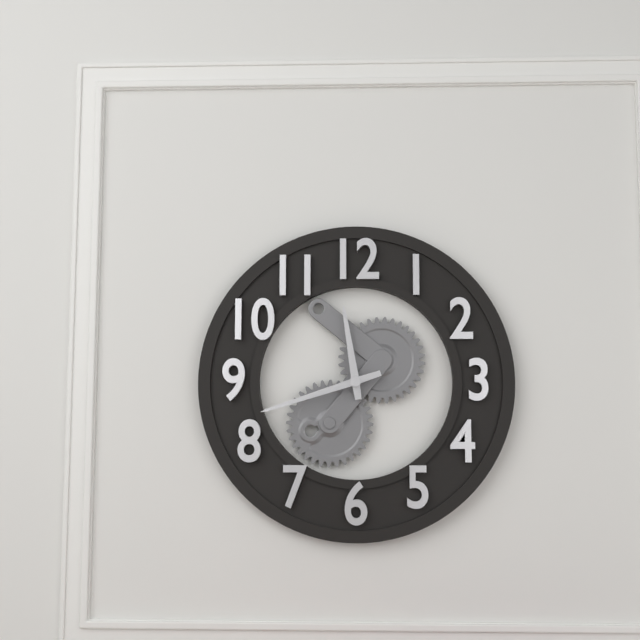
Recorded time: 11.42
